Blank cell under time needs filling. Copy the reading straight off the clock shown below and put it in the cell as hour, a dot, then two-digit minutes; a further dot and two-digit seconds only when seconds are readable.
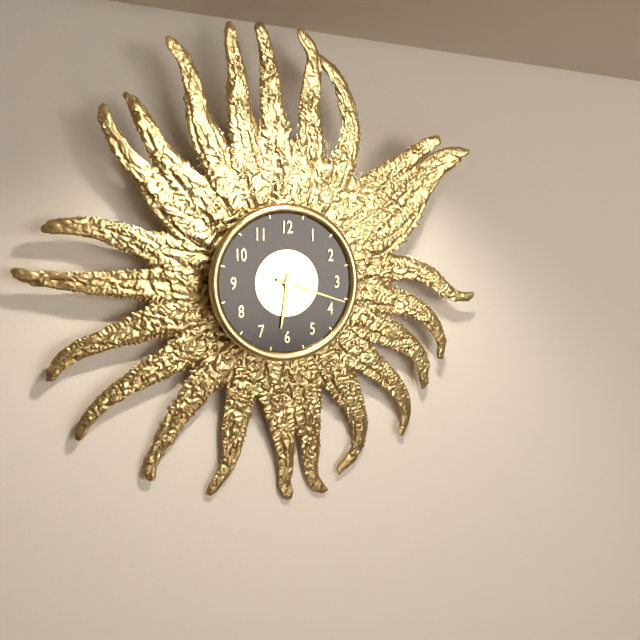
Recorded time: 6.18
